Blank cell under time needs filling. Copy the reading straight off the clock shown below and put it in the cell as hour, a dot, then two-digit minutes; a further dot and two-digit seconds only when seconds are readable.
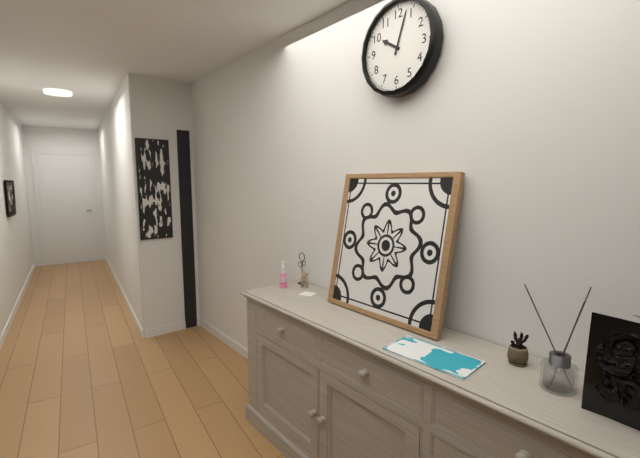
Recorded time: 10.03
